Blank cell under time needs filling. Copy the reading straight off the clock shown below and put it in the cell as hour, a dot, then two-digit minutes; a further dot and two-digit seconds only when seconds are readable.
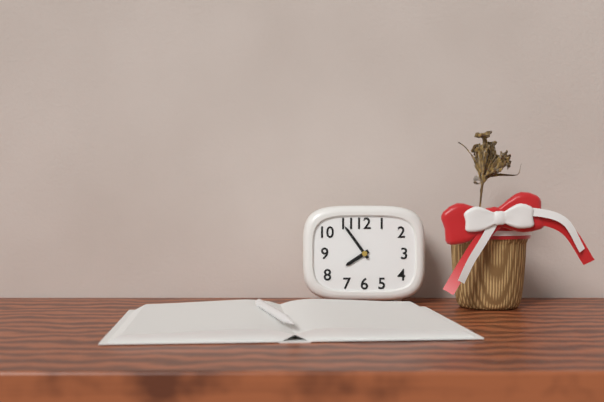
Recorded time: 7.54
